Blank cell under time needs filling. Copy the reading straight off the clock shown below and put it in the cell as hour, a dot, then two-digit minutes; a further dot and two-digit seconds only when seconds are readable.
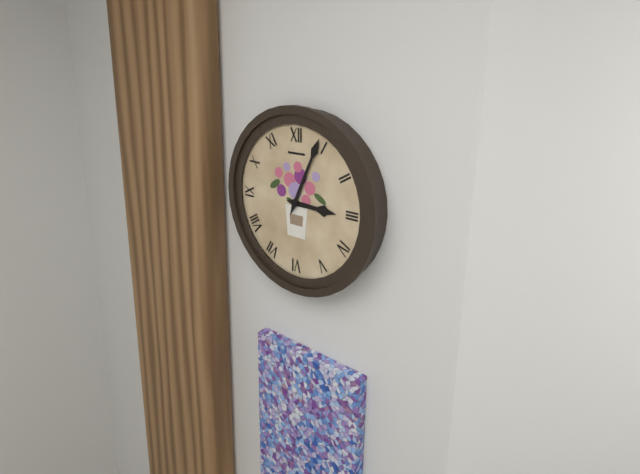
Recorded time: 3.04
